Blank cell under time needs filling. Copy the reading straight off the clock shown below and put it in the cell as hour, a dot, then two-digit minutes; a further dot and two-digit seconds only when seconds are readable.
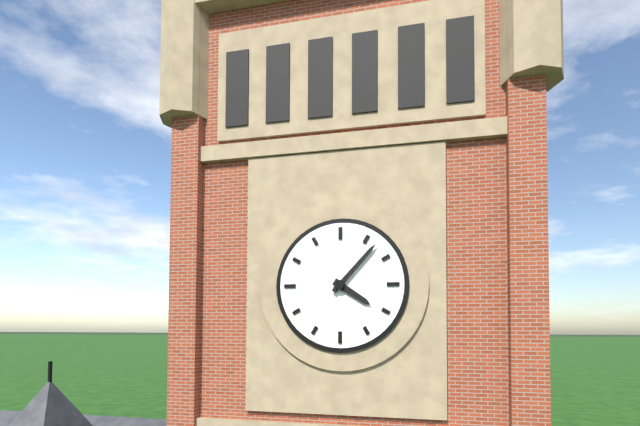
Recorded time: 4.07
